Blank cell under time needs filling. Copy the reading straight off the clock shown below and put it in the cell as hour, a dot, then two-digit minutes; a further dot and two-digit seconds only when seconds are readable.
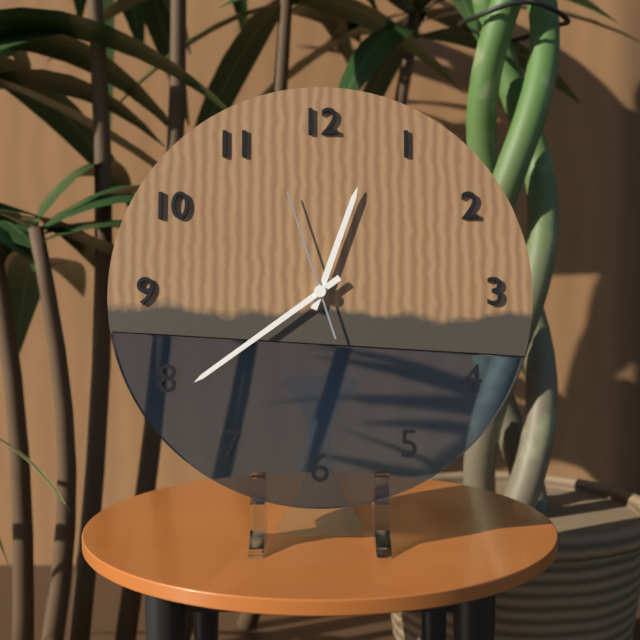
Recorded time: 12.39.57
